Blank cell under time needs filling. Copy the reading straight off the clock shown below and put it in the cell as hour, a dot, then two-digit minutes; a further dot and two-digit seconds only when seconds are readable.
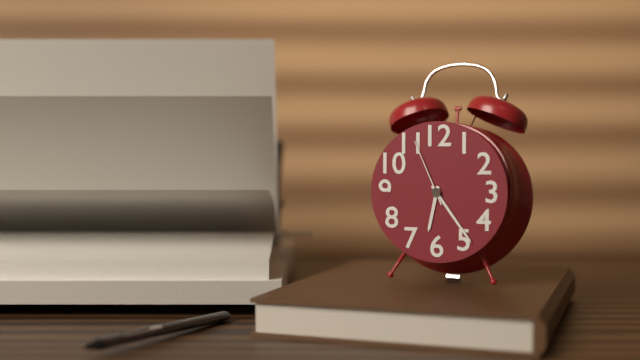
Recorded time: 6.24.56
